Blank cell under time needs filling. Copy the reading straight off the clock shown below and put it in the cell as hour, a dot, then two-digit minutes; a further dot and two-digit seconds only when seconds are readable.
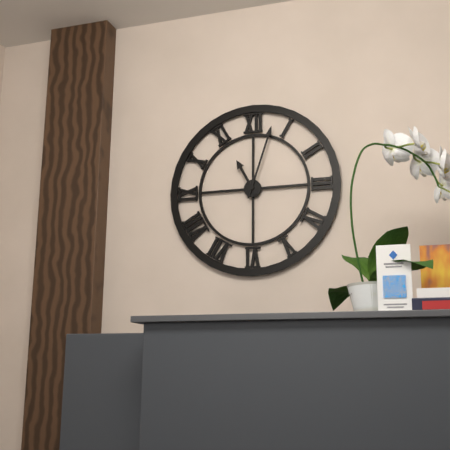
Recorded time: 11.03
